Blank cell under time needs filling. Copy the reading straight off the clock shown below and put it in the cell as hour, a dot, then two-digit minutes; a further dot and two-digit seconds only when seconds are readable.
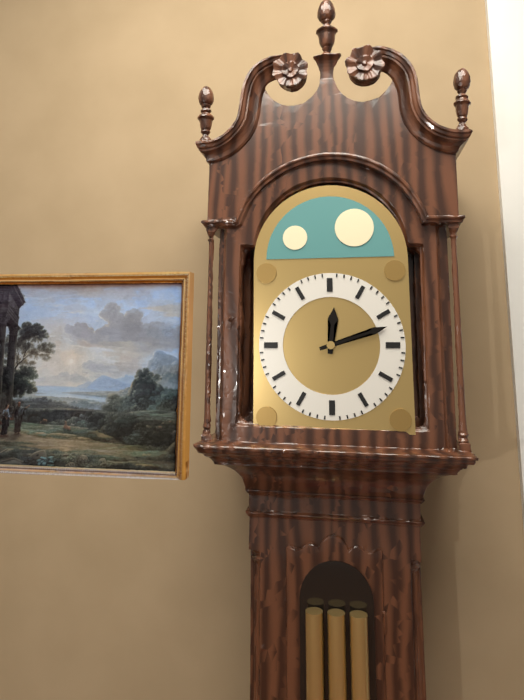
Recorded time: 12.12
